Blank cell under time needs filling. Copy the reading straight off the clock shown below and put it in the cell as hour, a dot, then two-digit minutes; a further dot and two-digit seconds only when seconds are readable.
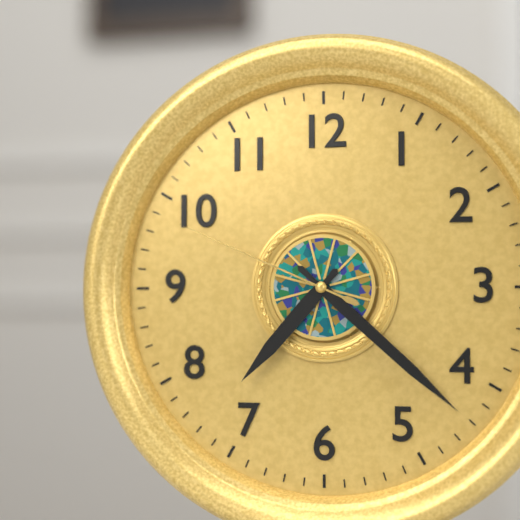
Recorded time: 7.22.49
